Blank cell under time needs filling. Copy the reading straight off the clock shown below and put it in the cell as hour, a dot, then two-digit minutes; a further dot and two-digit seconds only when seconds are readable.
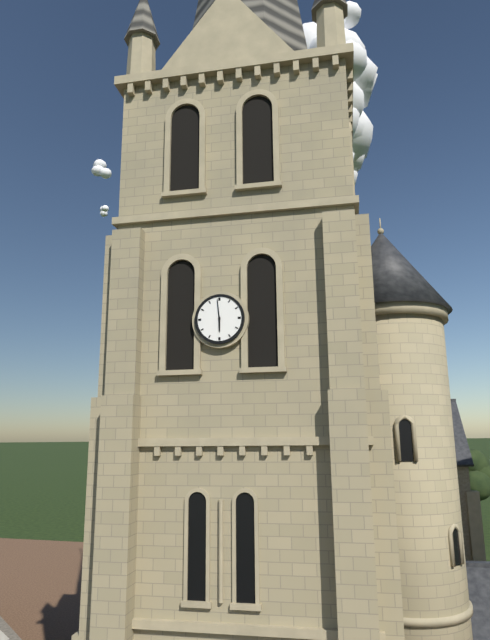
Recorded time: 5.59
